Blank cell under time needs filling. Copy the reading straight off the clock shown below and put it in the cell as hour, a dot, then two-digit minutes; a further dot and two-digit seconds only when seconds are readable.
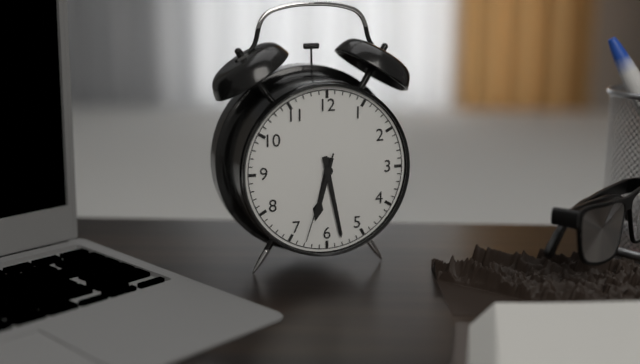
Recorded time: 6.28.33
